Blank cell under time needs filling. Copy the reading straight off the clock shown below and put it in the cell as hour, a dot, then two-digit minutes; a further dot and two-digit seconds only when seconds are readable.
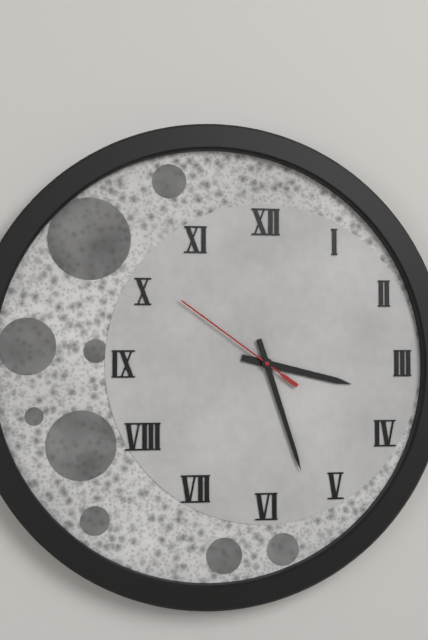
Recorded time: 3.27.51
